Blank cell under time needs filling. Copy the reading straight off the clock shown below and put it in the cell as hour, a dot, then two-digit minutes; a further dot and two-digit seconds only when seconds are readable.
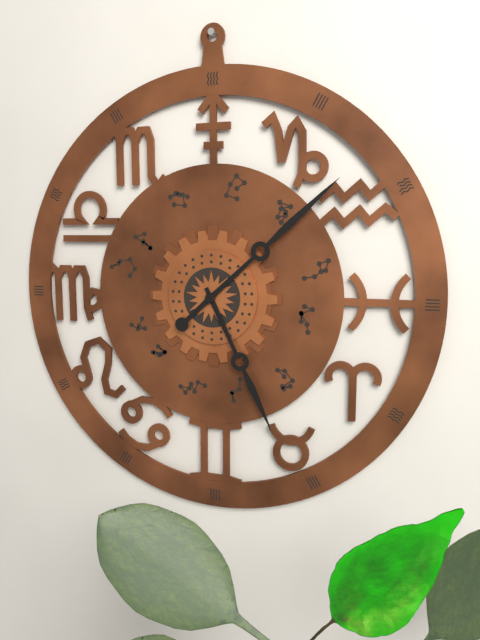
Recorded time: 5.08
